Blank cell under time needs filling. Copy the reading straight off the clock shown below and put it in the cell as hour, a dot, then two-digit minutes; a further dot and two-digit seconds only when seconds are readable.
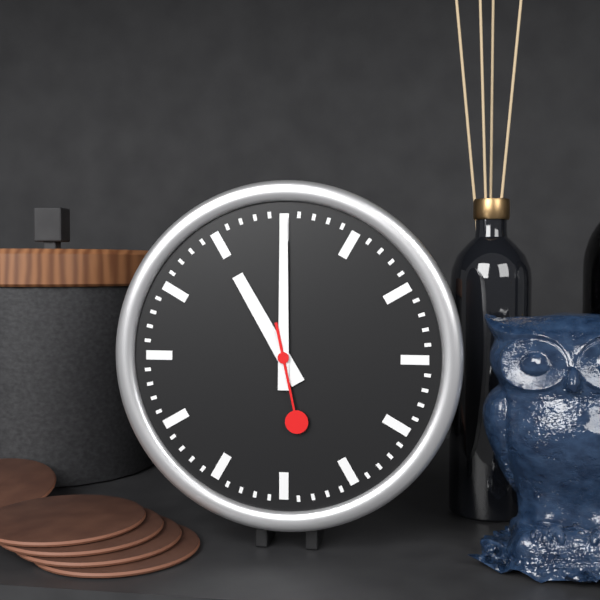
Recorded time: 11.00.28
